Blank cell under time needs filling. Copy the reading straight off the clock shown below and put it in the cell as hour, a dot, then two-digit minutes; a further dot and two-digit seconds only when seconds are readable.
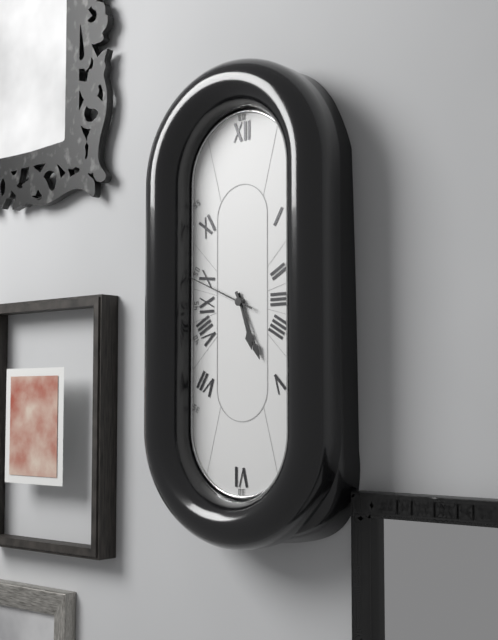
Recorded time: 5.26.49
